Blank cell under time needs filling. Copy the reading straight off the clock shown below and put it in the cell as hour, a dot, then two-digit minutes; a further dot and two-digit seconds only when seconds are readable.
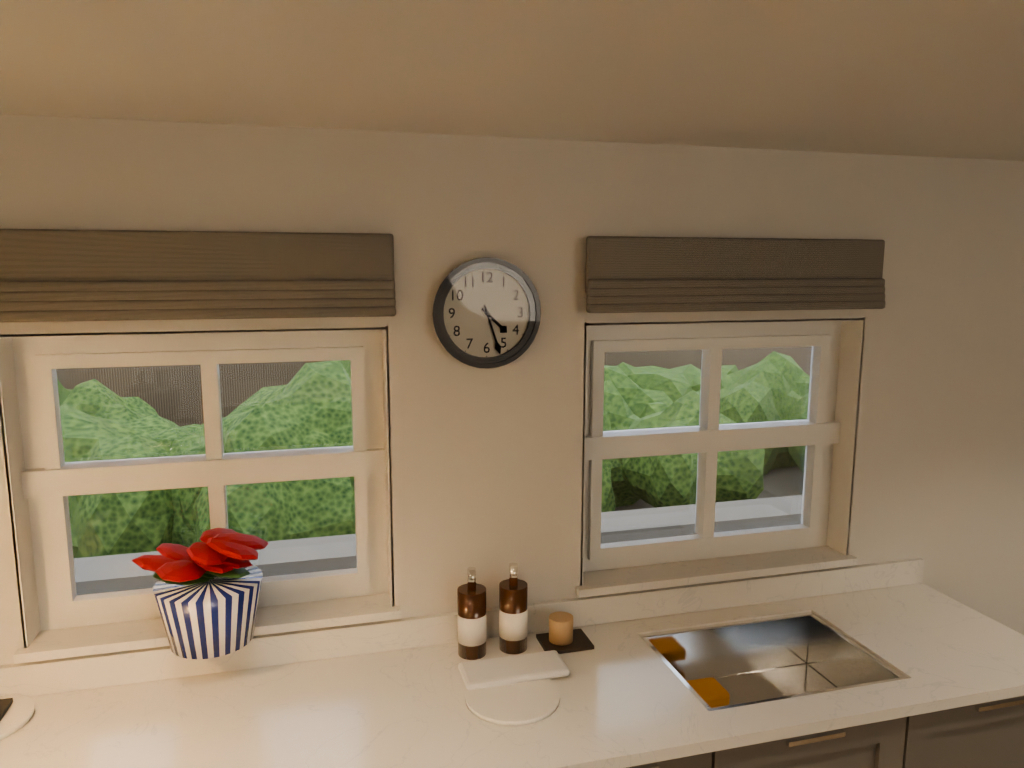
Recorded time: 4.27
